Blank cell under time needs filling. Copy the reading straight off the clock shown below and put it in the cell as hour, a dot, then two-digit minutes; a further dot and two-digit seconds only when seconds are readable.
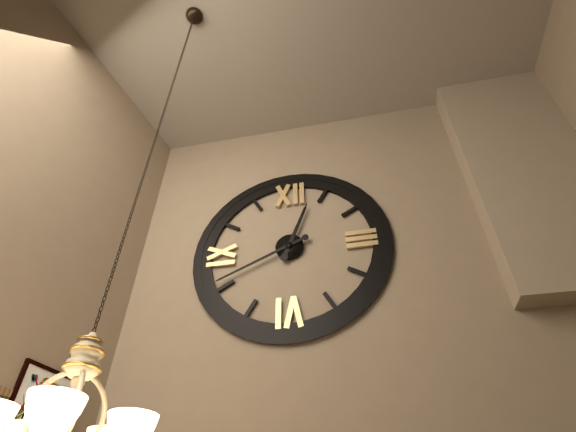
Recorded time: 12.41
